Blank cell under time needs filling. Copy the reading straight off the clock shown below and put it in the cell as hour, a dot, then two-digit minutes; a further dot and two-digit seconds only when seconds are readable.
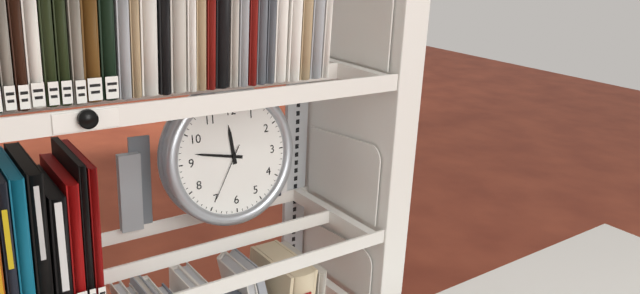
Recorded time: 11.47.35
